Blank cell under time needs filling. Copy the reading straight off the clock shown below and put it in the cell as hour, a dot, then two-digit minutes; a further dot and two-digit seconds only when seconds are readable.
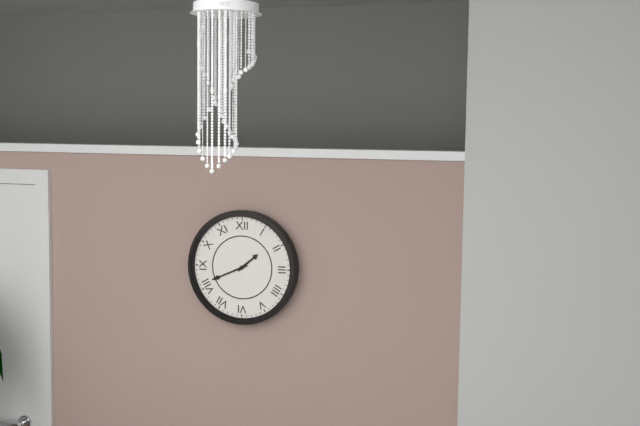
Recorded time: 1.41
